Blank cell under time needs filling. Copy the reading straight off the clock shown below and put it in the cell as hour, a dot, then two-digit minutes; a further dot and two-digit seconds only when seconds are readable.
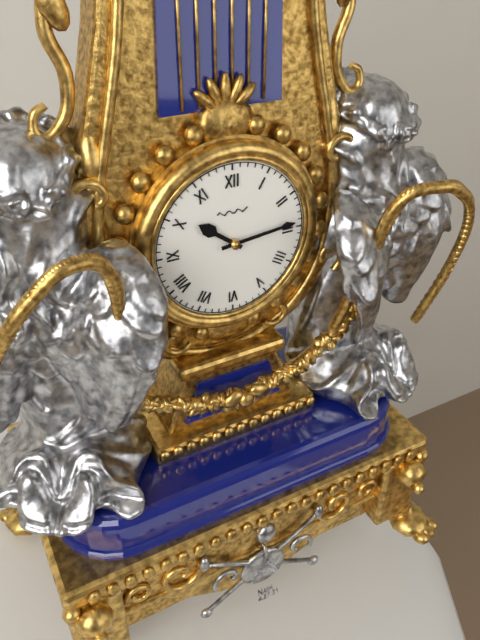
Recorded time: 10.14
